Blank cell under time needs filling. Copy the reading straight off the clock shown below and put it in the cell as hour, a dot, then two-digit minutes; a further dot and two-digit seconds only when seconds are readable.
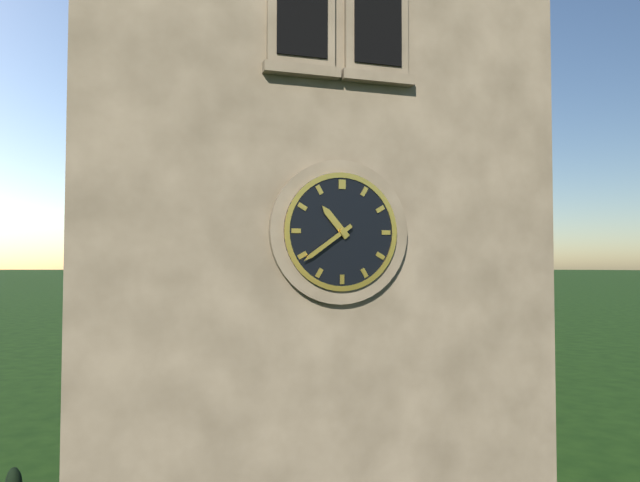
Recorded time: 10.39
